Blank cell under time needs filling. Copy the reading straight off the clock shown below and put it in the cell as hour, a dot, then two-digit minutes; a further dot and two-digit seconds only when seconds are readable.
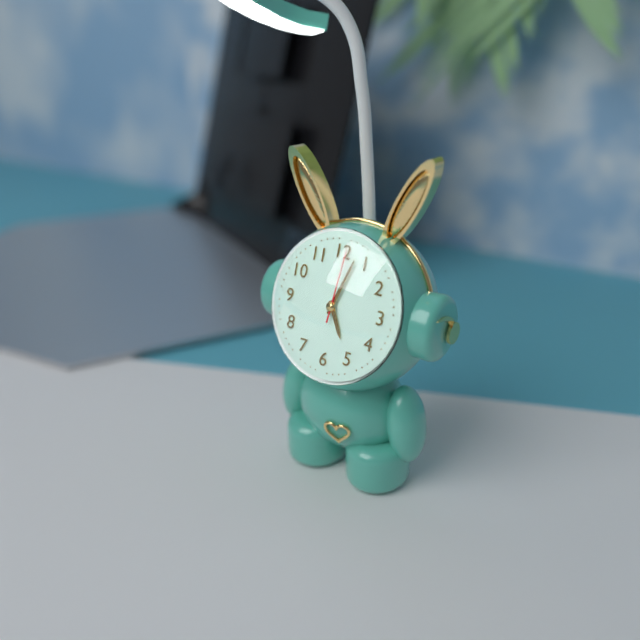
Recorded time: 5.03.01
